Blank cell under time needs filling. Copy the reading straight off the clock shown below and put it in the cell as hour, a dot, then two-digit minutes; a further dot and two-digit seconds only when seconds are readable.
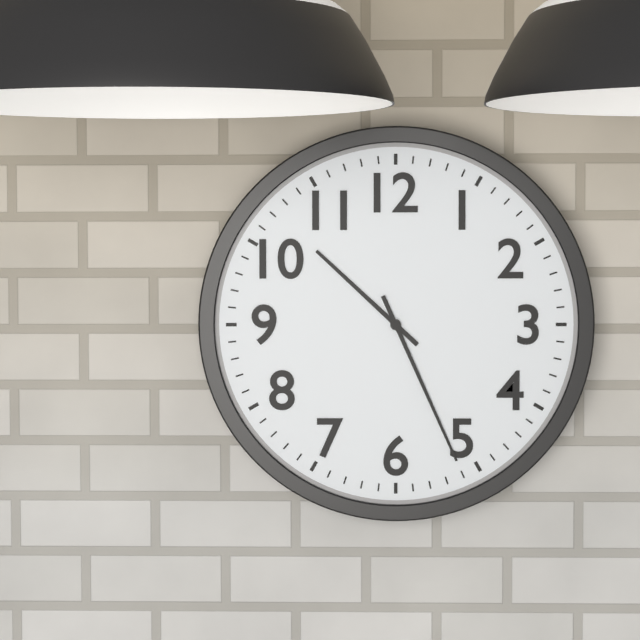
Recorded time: 10.26
